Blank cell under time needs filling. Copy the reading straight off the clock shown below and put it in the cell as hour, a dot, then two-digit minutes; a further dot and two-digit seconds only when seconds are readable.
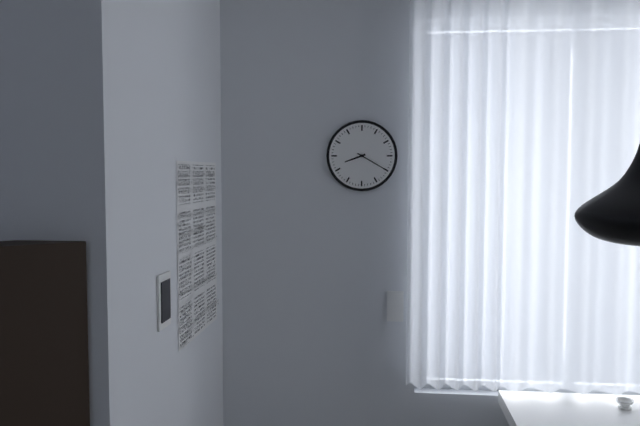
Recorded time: 8.20
